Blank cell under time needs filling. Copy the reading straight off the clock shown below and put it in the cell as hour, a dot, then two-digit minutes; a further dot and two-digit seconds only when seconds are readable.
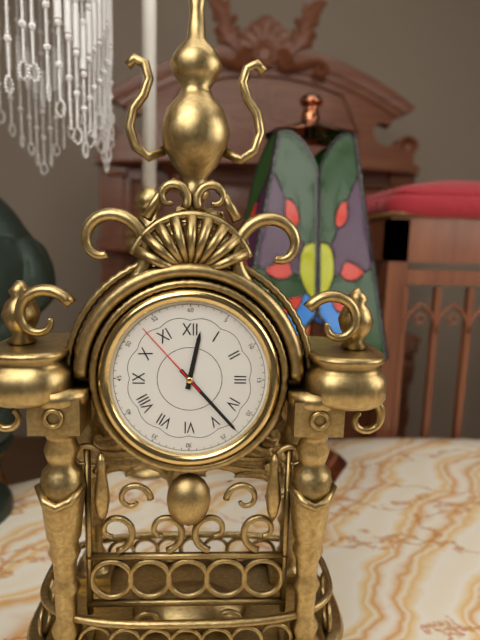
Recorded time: 12.23.53
